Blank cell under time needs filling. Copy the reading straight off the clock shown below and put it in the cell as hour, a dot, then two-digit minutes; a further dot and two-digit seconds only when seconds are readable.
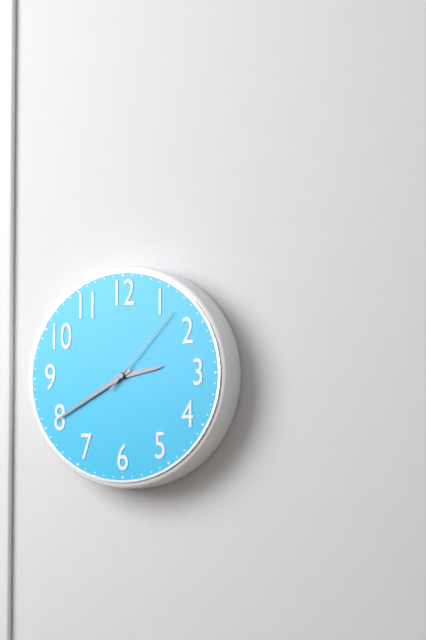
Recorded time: 2.40.07
